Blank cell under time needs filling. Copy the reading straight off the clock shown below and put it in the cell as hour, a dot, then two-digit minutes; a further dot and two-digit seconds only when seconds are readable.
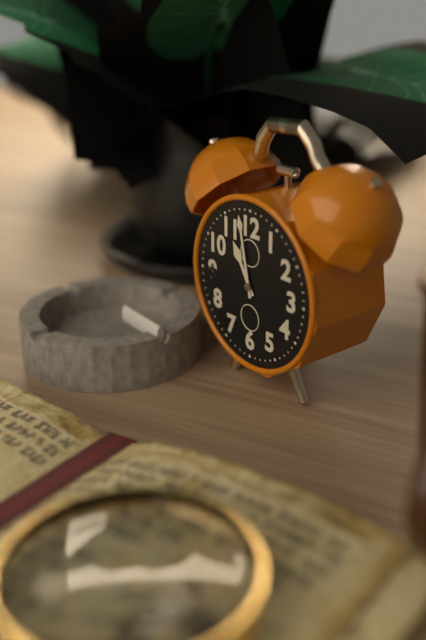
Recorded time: 10.58
